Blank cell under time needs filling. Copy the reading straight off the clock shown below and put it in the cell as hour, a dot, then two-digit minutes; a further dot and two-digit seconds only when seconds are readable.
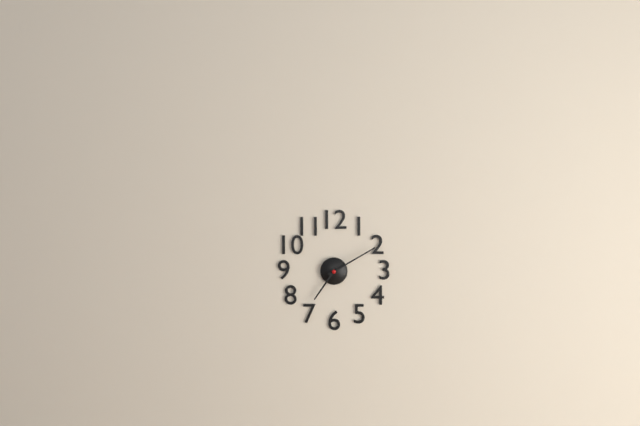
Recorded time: 7.10
